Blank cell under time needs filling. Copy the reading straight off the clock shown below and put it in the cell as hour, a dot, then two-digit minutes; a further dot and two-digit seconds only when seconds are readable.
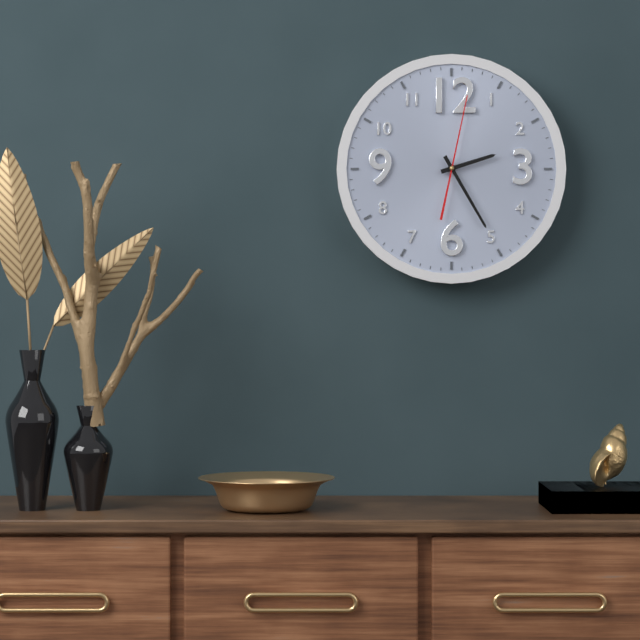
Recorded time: 2.25.02
